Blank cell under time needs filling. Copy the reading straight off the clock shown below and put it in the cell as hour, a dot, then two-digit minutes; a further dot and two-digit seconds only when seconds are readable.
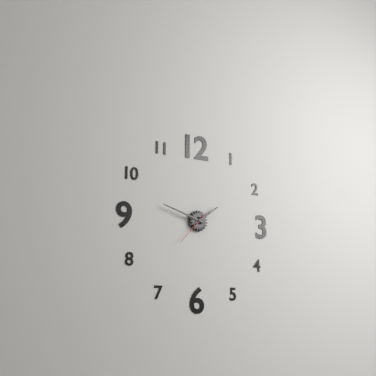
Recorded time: 1.48
